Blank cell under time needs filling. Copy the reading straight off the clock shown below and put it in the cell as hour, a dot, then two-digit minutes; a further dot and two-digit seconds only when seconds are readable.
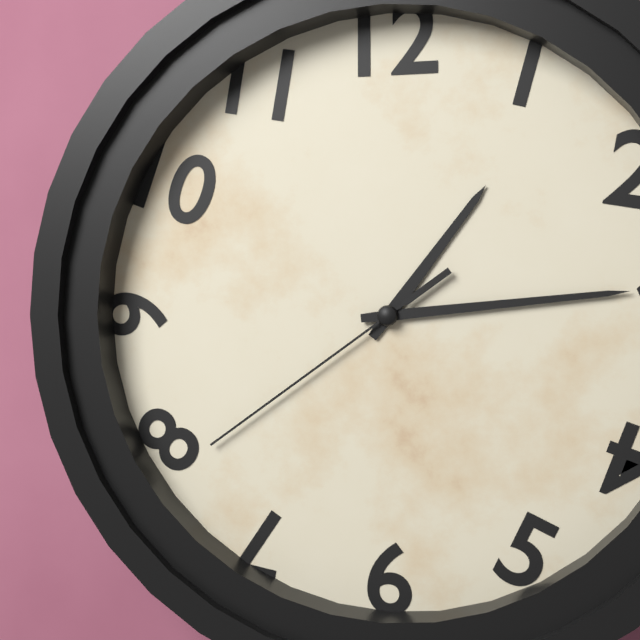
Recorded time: 1.14.39
